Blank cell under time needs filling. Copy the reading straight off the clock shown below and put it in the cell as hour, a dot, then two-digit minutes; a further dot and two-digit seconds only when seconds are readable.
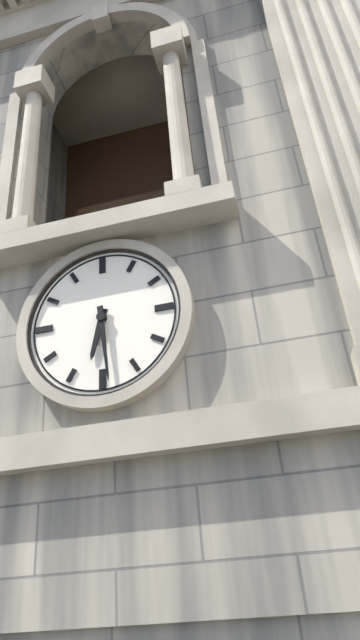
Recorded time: 6.29
